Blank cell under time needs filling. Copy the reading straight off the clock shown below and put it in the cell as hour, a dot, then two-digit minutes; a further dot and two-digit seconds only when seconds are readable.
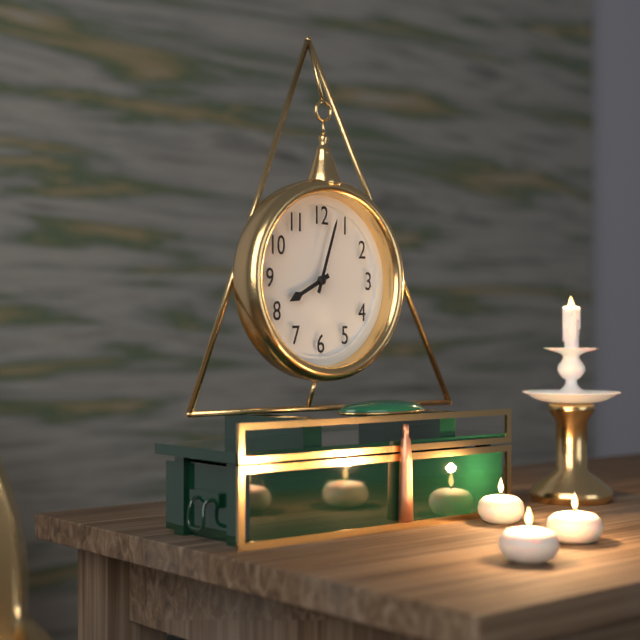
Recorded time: 8.03
